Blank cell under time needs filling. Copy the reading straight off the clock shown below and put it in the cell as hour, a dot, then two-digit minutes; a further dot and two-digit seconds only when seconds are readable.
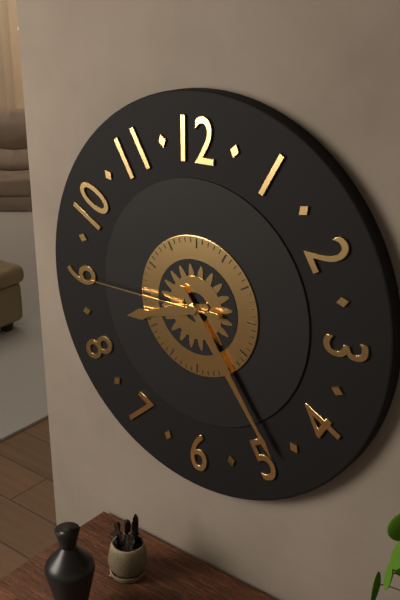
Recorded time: 8.24.45
